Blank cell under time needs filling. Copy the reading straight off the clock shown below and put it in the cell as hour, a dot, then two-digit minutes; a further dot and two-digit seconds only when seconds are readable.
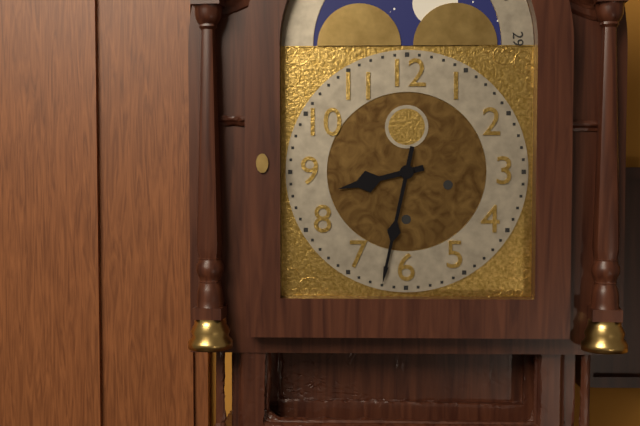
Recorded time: 8.32
